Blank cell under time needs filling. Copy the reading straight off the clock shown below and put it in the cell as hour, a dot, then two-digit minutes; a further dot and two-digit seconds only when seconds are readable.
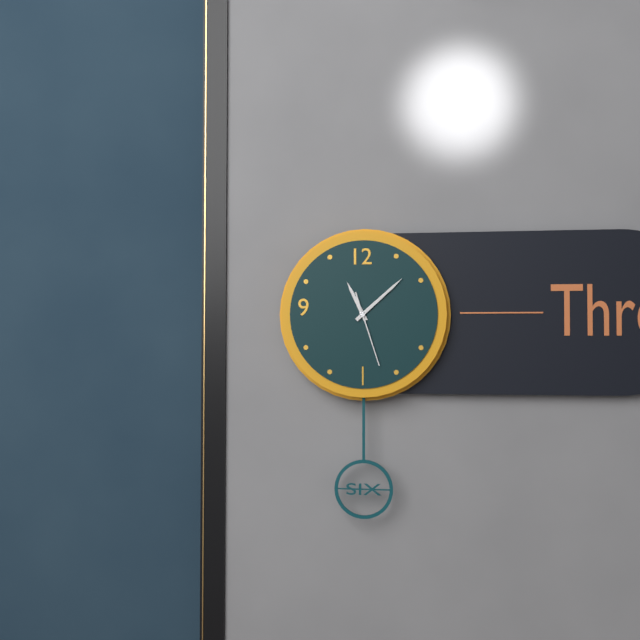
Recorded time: 11.08.27
